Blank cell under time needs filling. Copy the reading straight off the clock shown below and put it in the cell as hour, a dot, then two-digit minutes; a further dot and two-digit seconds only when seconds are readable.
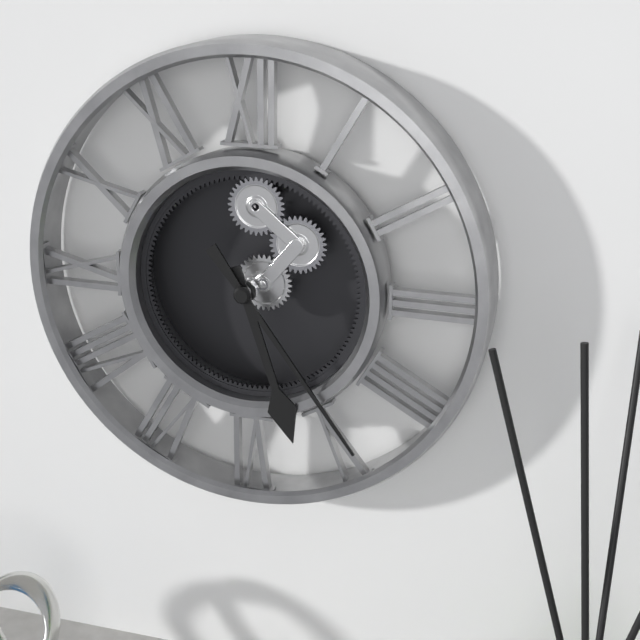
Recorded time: 5.24
